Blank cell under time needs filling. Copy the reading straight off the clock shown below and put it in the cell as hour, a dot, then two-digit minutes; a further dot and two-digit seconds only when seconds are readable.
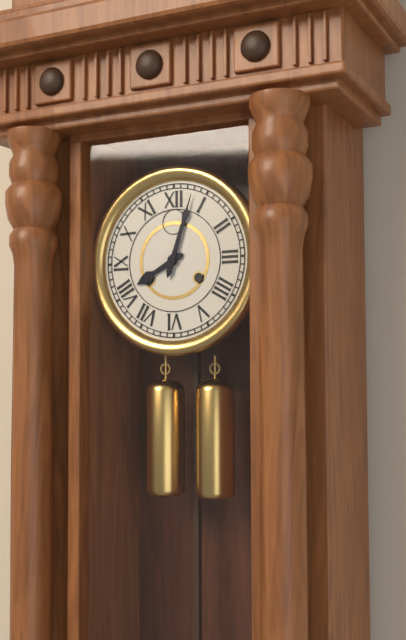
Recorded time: 8.03
